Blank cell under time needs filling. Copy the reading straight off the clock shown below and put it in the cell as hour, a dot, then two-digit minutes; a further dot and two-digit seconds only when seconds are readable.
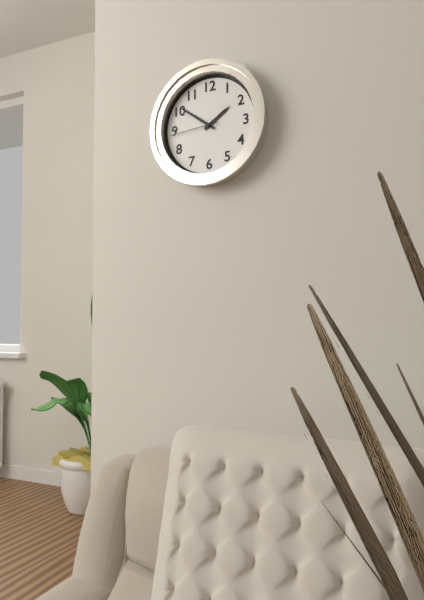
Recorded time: 1.51
